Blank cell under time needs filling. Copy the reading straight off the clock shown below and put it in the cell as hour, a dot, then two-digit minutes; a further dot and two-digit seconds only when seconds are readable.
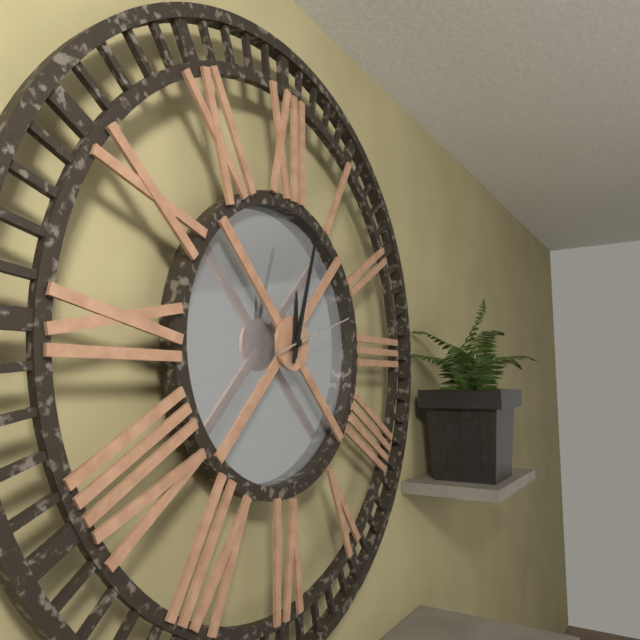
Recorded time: 12.03.12
